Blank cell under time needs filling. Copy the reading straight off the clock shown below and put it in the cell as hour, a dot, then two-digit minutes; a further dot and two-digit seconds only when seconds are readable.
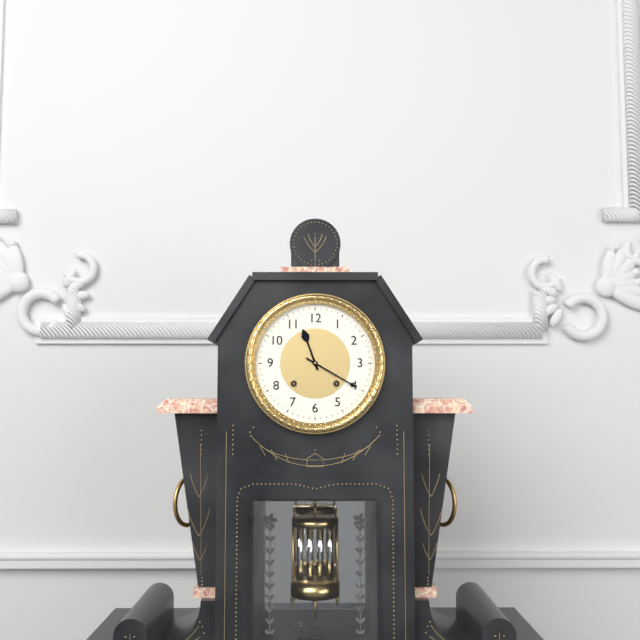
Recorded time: 11.20
